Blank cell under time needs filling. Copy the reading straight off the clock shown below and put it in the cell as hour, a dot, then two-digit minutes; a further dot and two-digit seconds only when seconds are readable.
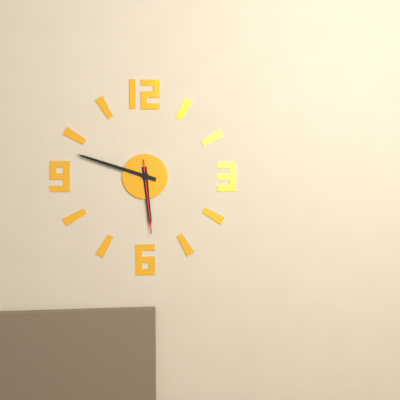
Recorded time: 5.48.29
